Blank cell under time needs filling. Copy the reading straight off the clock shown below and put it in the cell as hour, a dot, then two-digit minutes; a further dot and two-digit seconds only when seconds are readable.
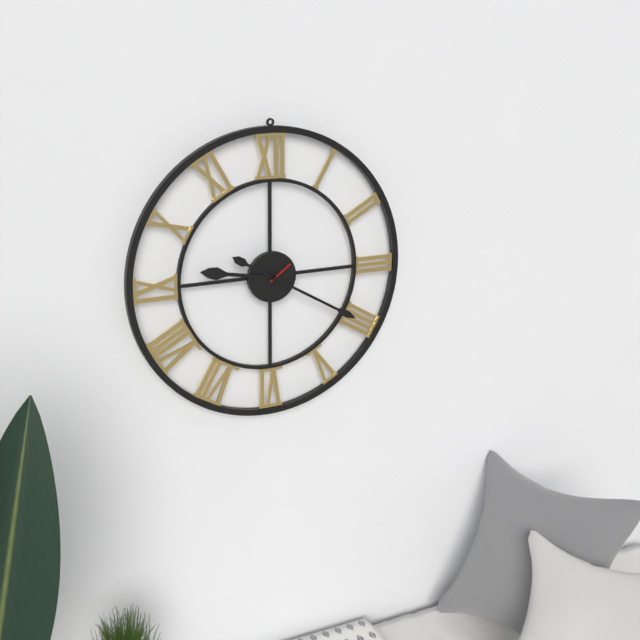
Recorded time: 9.20
